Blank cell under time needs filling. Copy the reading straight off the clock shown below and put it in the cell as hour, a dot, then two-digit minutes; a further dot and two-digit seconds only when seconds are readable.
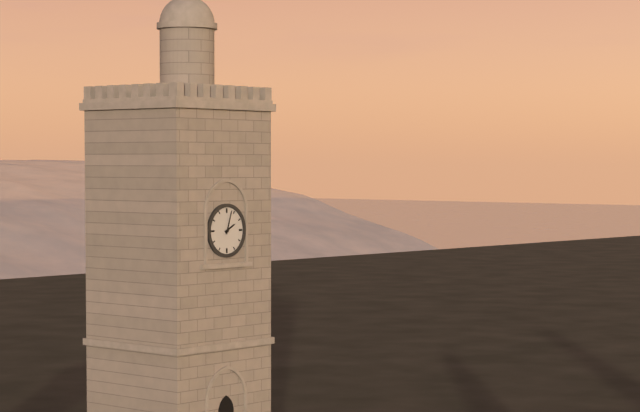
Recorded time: 2.03
